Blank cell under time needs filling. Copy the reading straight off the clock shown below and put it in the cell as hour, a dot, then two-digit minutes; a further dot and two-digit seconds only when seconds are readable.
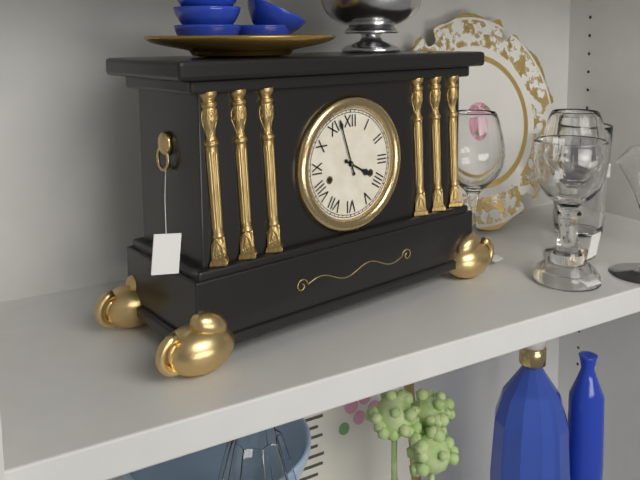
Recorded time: 3.57
